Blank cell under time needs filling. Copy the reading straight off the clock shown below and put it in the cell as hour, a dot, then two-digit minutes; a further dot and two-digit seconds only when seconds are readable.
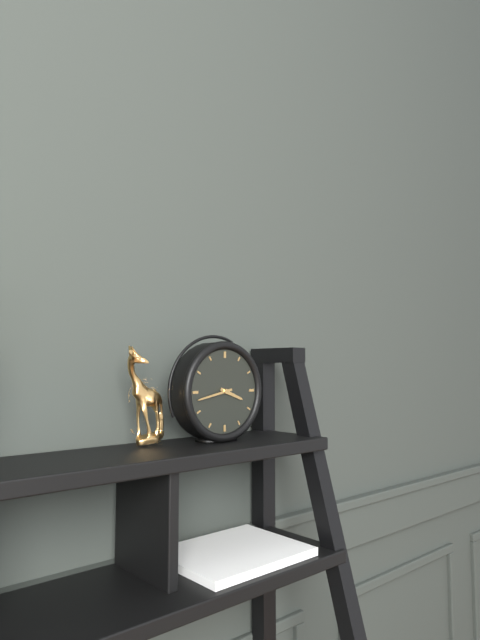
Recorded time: 3.43
